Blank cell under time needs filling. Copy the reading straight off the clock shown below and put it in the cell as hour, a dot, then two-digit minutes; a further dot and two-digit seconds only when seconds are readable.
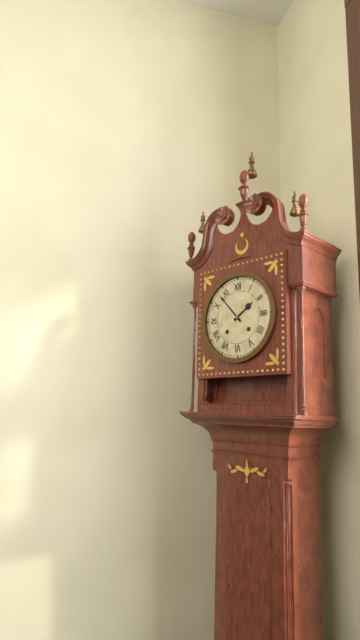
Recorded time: 1.53
